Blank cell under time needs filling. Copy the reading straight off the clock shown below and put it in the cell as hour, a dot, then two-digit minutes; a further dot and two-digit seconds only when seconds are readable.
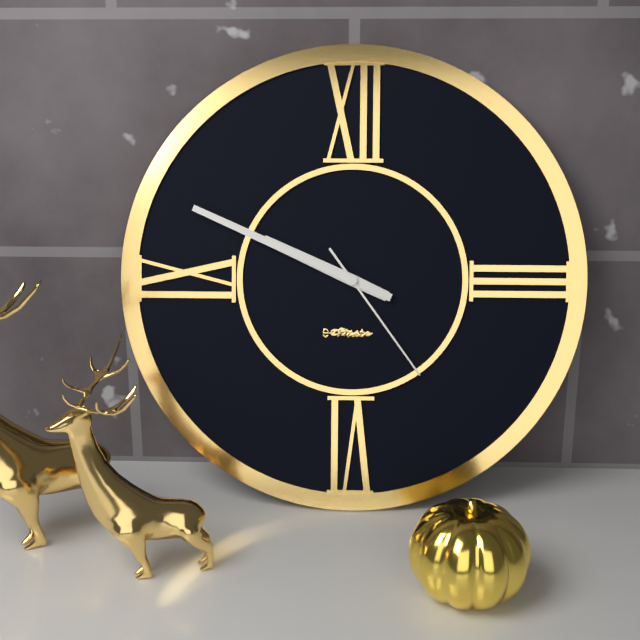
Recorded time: 9.49.24
